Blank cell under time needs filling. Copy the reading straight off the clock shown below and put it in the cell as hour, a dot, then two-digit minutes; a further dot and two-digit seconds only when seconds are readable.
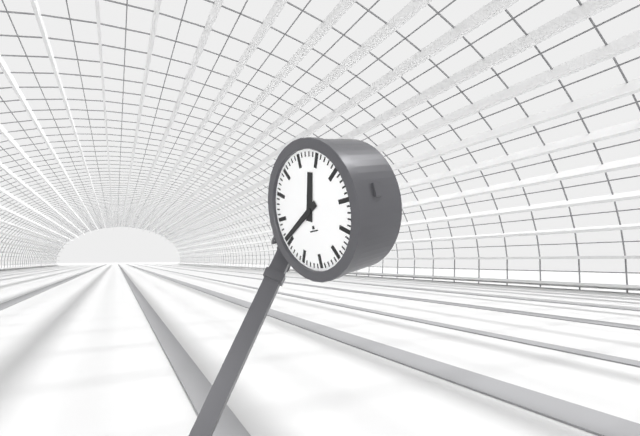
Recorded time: 12.41
